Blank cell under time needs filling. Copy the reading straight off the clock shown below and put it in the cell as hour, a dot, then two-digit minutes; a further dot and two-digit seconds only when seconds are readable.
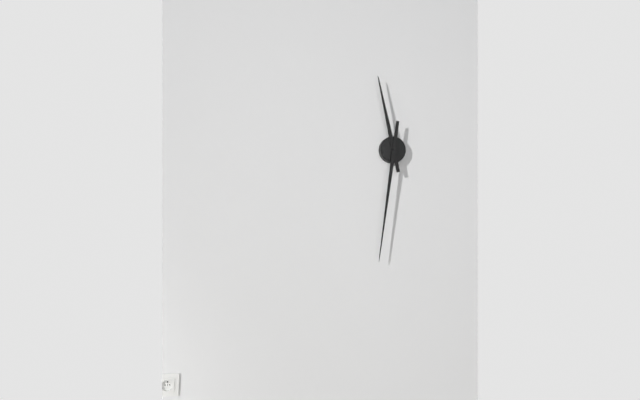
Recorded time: 11.31
